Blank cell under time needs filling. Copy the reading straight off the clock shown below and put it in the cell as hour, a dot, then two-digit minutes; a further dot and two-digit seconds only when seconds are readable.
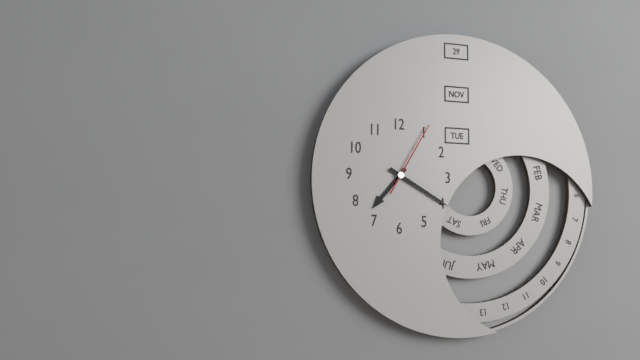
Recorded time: 7.20.05
